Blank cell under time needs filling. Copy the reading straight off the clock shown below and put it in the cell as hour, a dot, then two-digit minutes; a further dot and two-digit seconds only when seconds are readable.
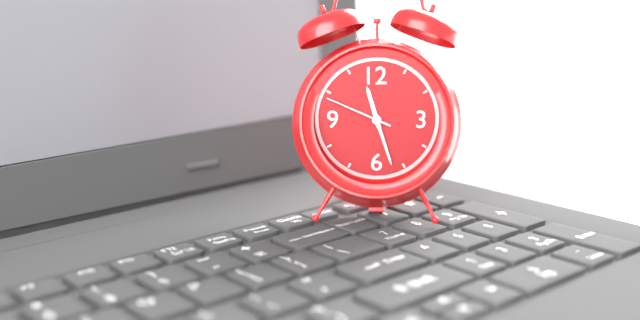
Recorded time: 11.27.49
